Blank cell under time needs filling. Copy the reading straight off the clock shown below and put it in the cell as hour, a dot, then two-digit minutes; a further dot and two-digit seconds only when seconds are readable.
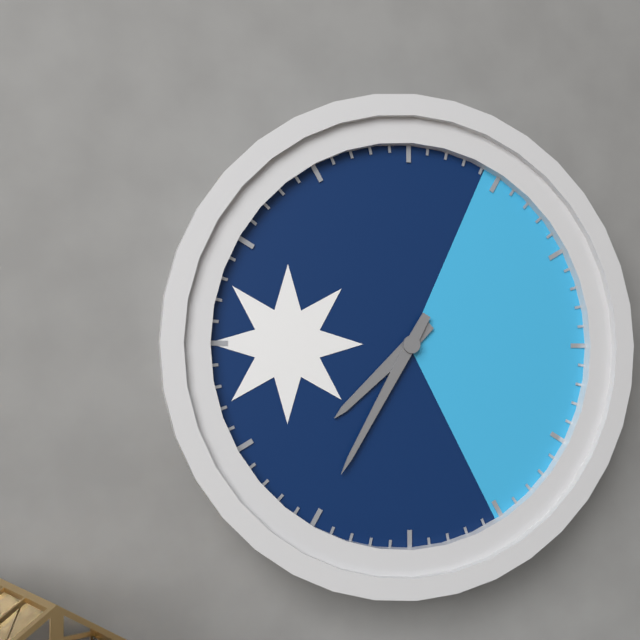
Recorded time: 7.35
